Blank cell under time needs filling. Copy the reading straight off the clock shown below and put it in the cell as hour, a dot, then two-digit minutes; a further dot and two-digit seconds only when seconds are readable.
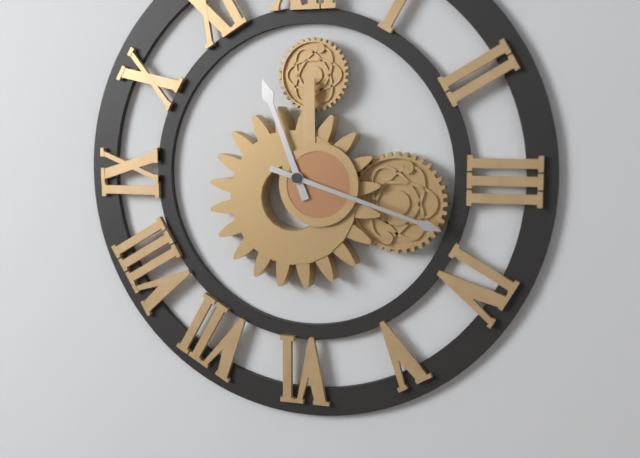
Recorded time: 11.18
